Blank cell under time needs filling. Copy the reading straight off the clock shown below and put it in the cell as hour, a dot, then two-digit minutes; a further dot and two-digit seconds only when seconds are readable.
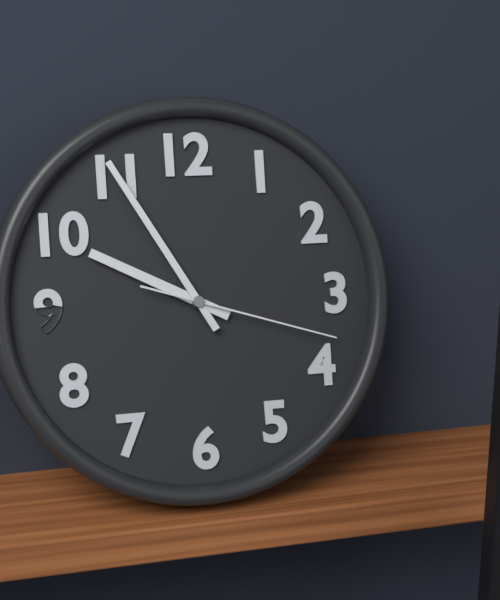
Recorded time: 9.55.18
